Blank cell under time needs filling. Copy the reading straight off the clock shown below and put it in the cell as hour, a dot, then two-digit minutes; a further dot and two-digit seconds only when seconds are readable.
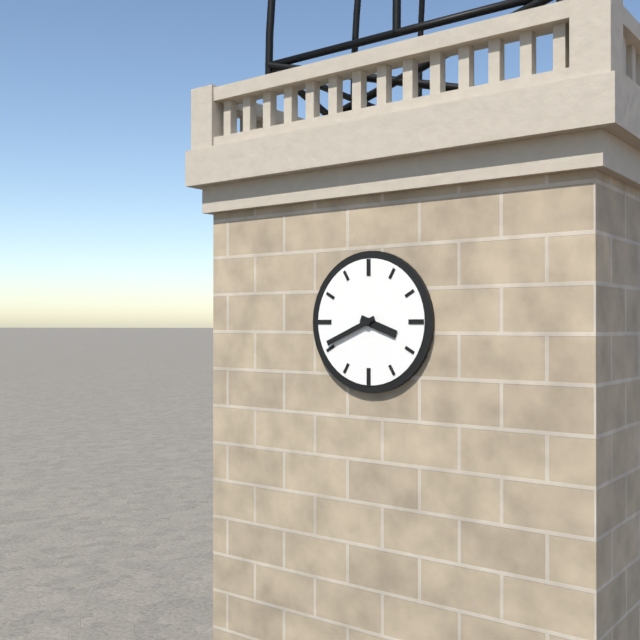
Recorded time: 3.41
